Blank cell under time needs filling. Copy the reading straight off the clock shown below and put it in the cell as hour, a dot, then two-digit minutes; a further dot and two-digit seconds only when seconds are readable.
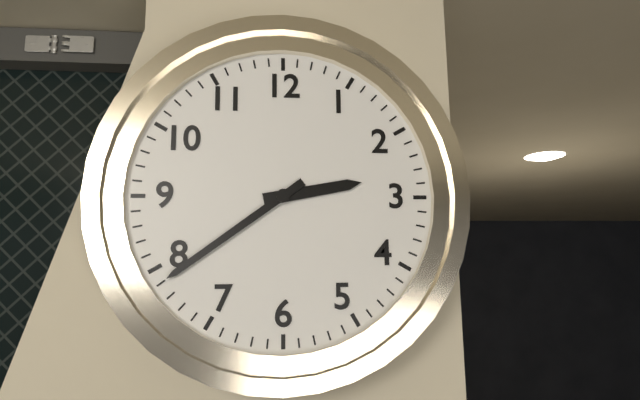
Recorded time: 2.39
